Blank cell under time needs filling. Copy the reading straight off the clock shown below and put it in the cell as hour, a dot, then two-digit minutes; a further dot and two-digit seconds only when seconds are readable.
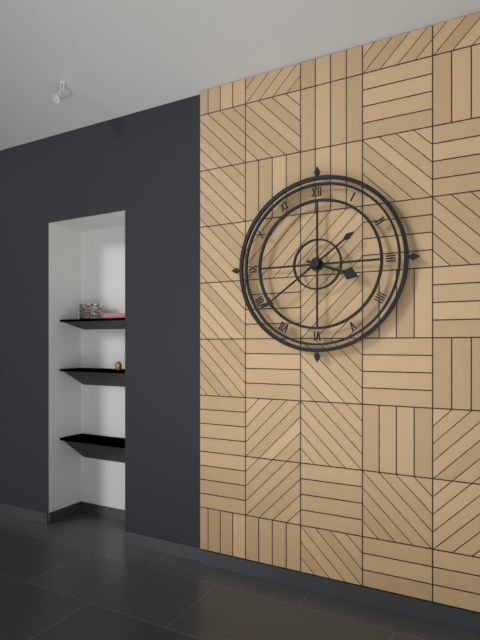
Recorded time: 3.39
